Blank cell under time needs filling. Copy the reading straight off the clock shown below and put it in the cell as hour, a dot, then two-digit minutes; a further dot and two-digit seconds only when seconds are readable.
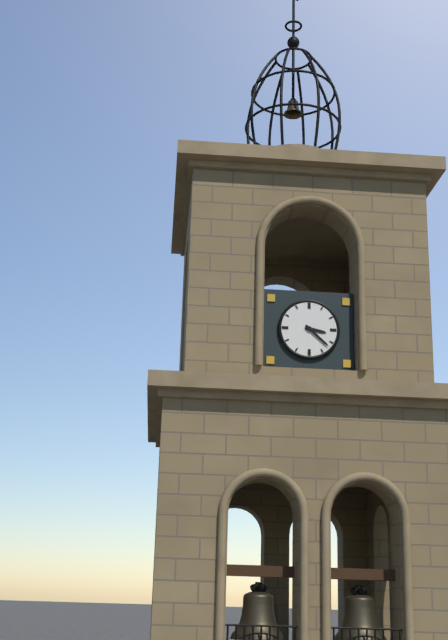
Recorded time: 3.22
